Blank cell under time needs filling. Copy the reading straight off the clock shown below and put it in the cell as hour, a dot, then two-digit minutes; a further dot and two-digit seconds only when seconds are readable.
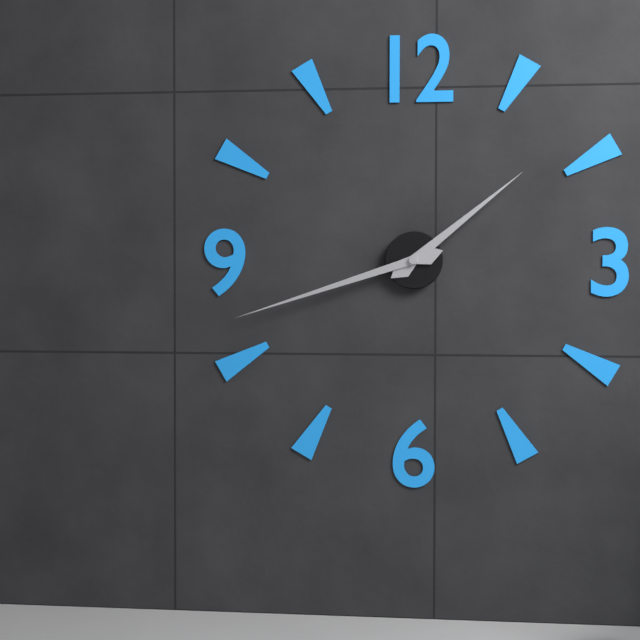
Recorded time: 1.42
